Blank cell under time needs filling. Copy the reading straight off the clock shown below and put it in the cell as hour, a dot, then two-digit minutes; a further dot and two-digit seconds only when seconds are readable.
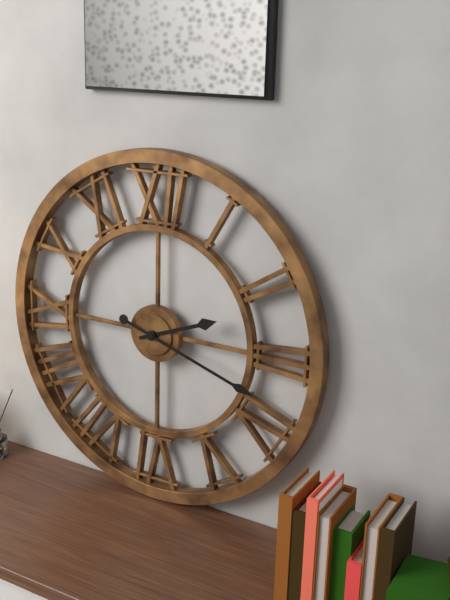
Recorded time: 2.18
